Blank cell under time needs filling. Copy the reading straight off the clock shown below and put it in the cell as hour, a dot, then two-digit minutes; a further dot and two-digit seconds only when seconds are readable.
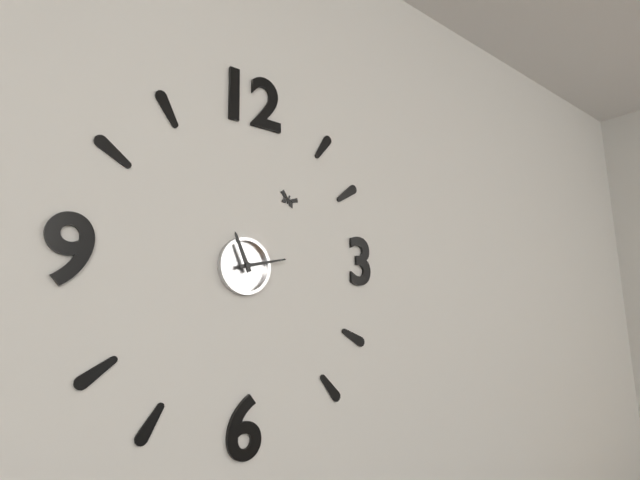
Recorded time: 11.13
